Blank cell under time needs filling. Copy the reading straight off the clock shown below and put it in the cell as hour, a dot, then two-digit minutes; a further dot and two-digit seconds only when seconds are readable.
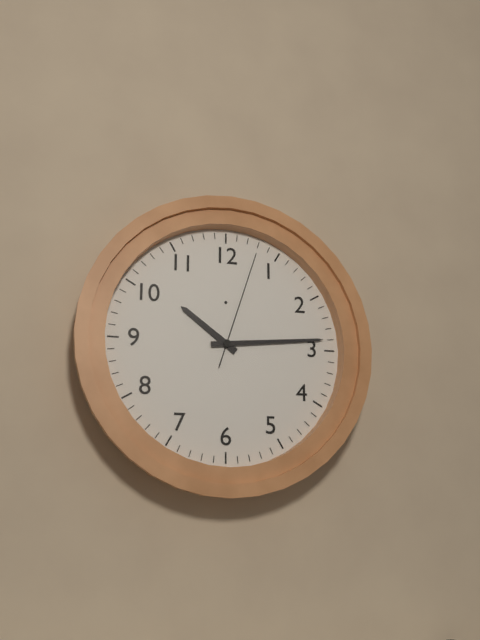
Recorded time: 10.14.03
